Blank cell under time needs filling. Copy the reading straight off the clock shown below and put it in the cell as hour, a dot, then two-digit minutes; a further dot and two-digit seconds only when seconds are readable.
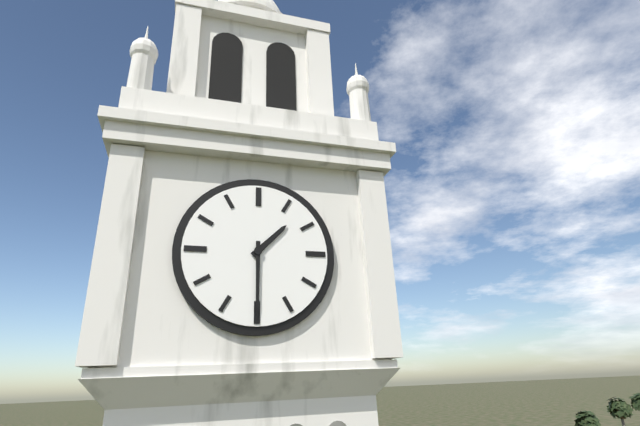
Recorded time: 1.30
